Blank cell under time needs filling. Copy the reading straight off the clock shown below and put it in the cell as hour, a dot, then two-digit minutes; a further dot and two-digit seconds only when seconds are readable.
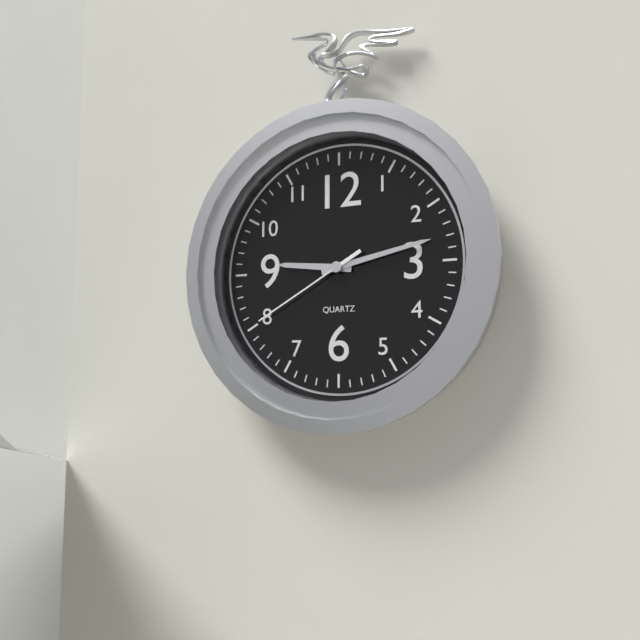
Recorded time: 9.13.40
